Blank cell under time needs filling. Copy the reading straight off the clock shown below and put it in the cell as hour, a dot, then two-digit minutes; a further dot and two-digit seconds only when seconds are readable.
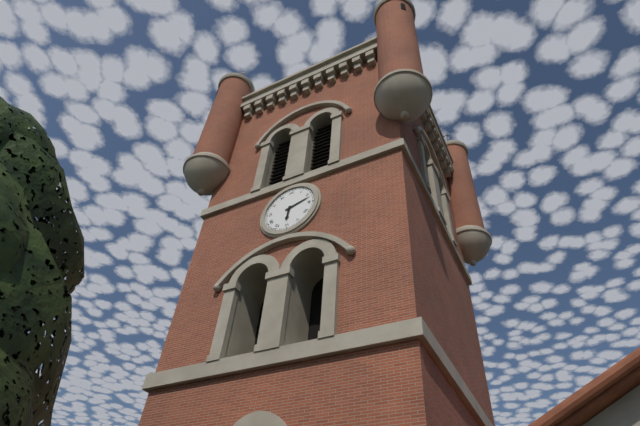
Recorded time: 6.12
